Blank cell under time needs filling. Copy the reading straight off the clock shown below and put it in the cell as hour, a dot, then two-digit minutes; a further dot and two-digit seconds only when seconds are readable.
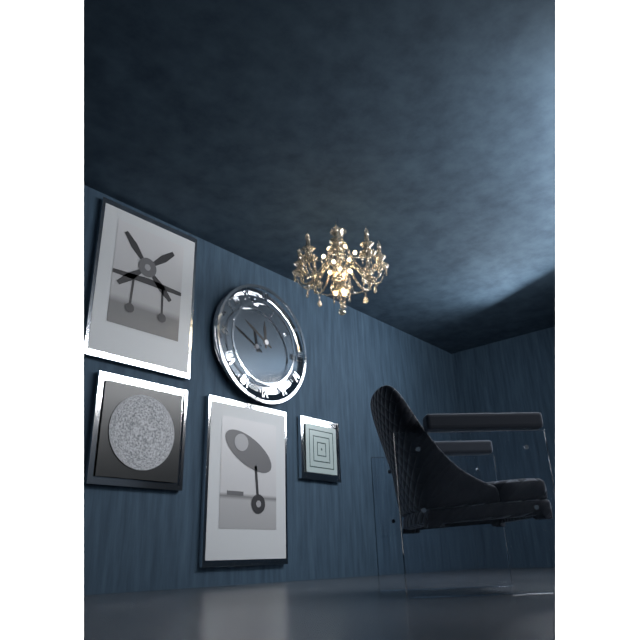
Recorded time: 11.50
